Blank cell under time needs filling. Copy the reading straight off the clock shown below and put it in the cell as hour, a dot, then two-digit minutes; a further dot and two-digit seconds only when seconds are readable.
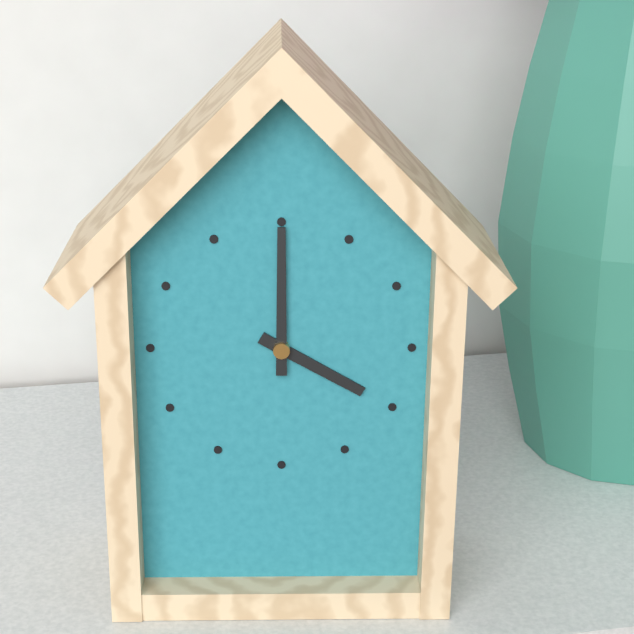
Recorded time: 4.00
